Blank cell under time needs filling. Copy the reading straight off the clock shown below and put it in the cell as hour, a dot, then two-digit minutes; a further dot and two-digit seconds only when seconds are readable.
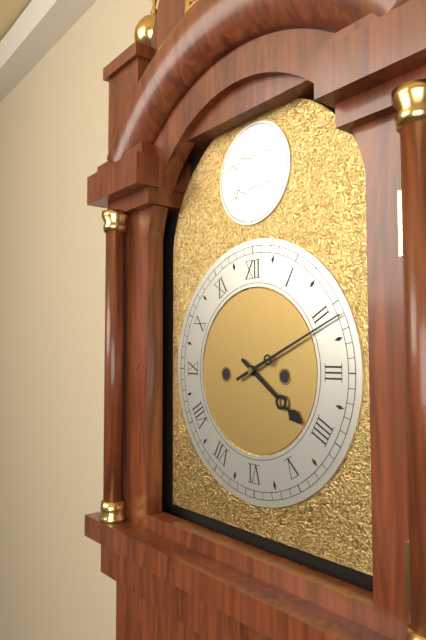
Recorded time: 4.11
